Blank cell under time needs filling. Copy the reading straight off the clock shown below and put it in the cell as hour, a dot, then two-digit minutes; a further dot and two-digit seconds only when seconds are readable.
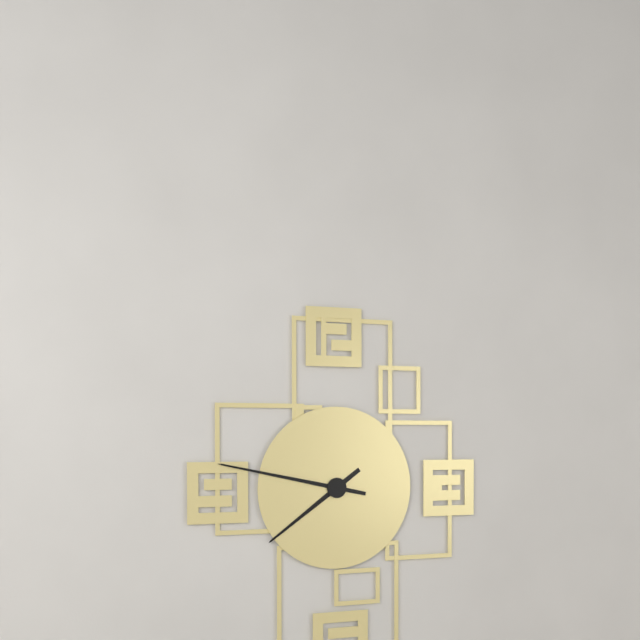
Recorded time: 7.47
